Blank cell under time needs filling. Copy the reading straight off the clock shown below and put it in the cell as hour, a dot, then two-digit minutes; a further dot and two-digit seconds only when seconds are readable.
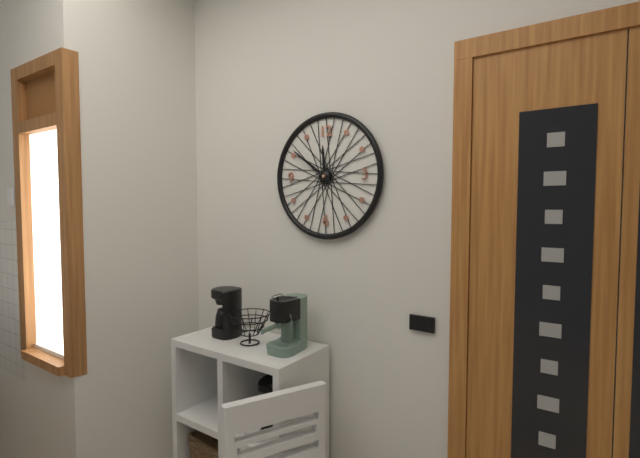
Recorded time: 11.51
